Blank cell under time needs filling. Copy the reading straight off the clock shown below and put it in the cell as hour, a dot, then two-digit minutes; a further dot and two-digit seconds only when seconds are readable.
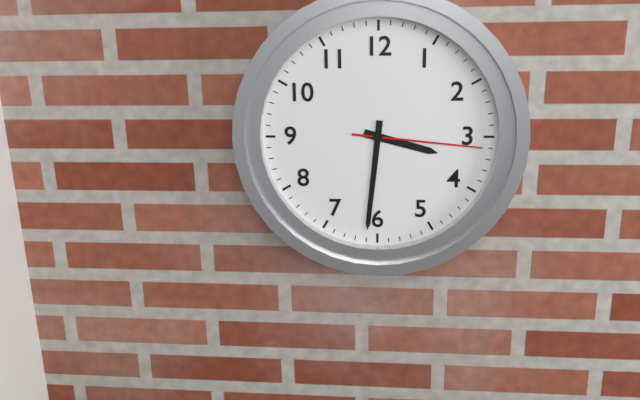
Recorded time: 3.31.16
